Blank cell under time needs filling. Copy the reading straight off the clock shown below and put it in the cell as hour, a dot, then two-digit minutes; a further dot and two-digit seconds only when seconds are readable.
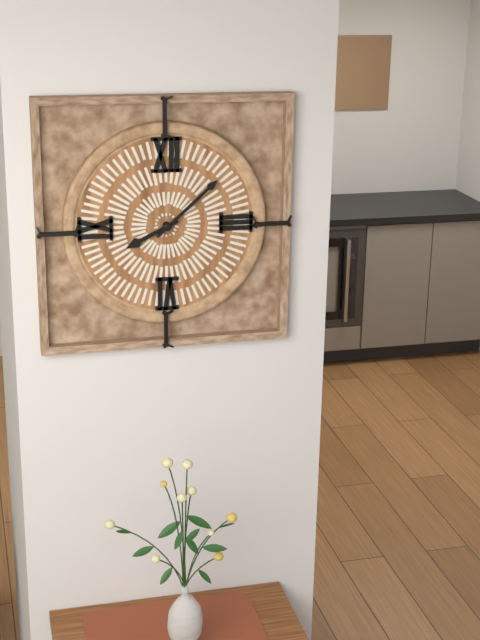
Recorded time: 8.08
